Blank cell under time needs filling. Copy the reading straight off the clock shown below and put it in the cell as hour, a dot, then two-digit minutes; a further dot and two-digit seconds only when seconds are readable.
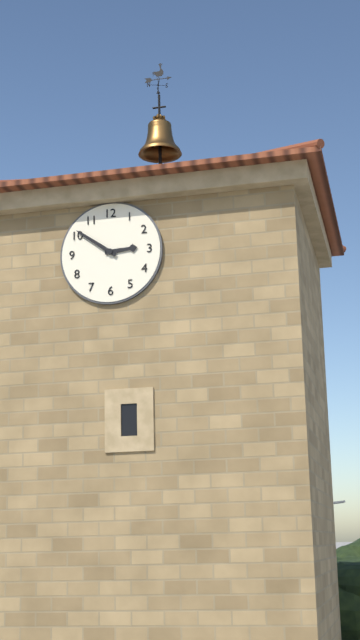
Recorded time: 2.51
